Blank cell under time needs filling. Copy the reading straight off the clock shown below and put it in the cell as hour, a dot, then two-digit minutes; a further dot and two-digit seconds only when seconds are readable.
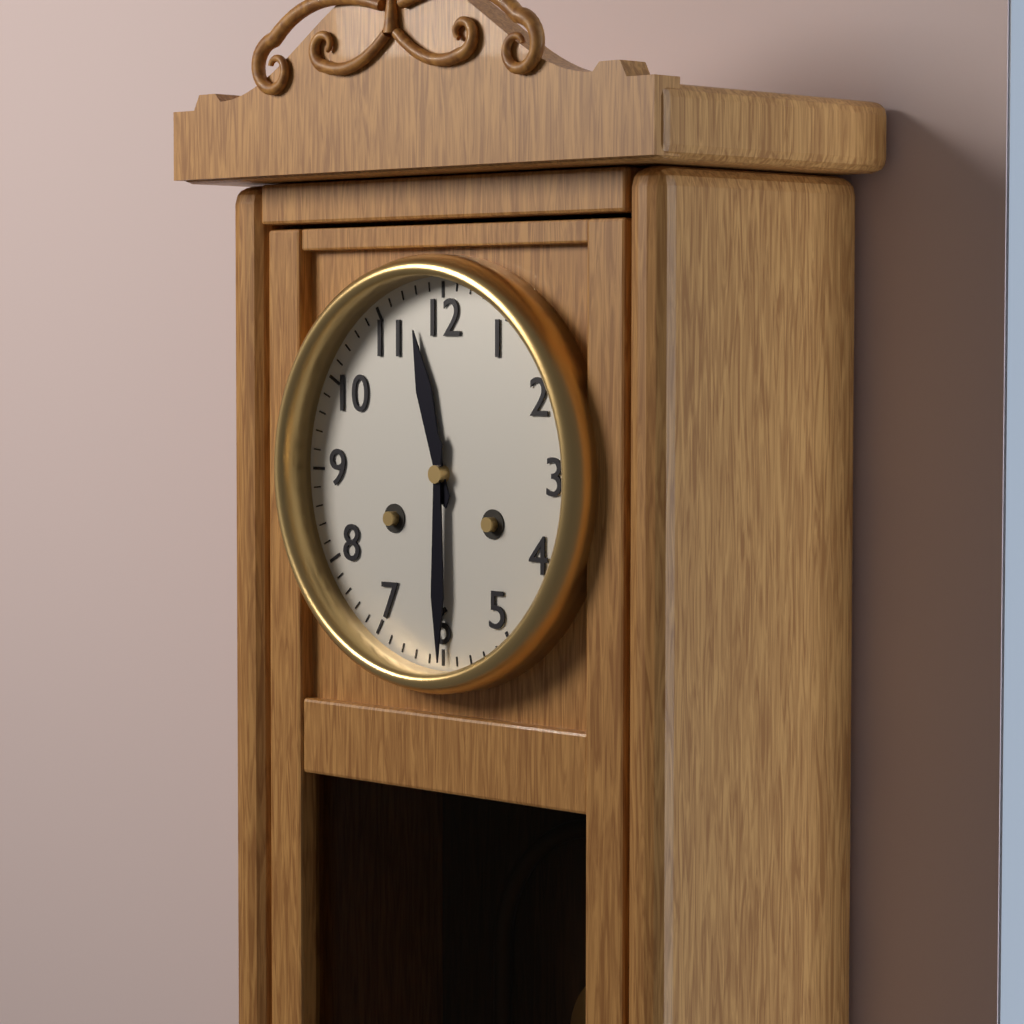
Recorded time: 11.30
